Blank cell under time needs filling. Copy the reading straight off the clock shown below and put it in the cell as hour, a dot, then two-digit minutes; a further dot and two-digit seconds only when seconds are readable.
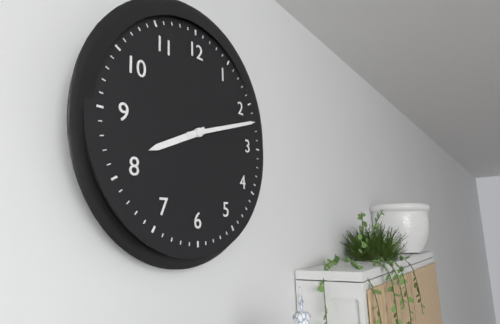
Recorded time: 8.12
